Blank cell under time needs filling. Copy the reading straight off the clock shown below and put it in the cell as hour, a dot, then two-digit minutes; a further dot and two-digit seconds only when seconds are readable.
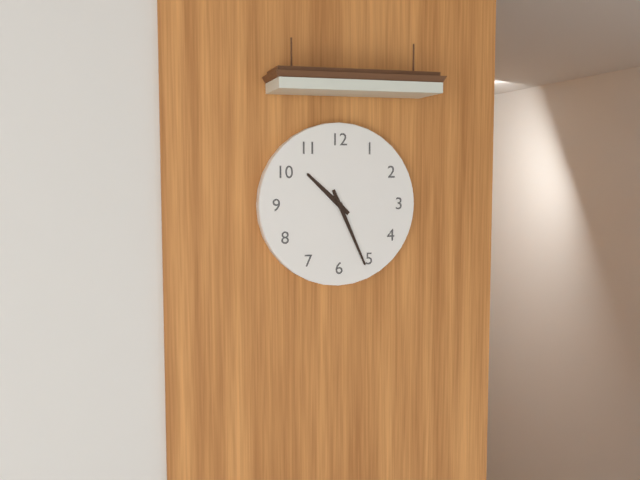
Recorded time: 10.26
